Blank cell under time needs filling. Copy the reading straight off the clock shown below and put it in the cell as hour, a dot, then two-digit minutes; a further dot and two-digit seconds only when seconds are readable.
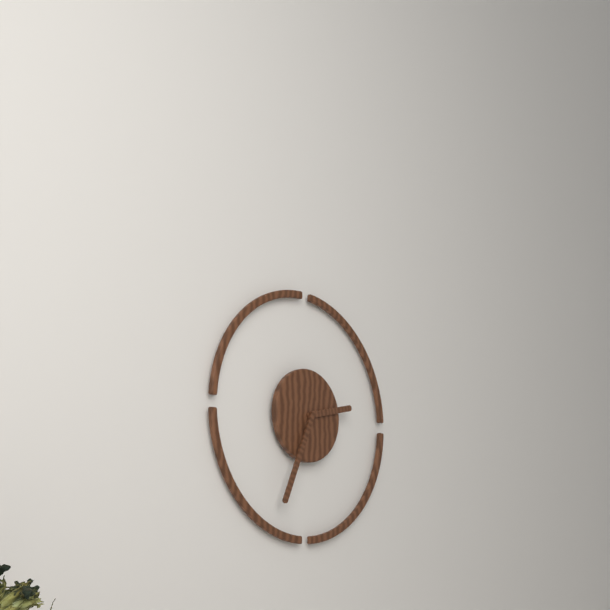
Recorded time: 2.34
